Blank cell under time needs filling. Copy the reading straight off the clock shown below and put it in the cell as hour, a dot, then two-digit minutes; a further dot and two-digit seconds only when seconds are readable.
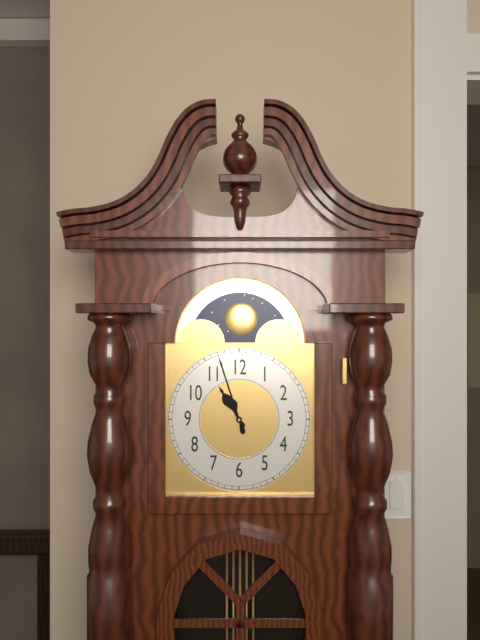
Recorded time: 10.57
